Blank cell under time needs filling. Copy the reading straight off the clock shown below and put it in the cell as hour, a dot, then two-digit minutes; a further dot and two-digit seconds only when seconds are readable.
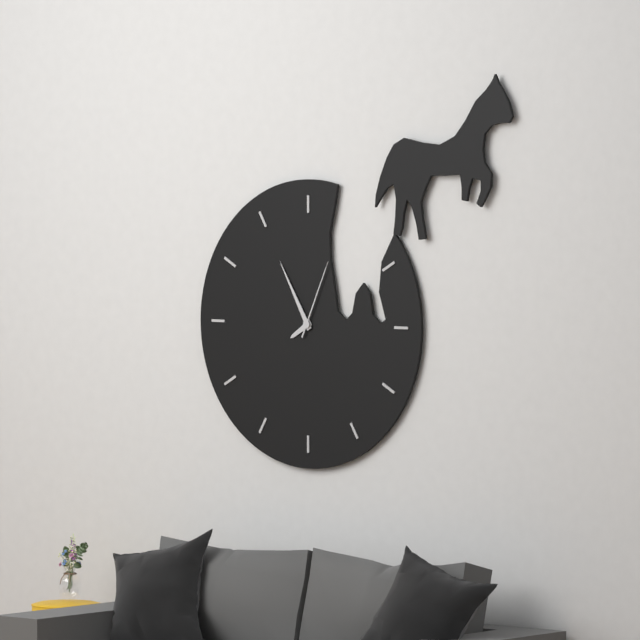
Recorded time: 7.55.04
